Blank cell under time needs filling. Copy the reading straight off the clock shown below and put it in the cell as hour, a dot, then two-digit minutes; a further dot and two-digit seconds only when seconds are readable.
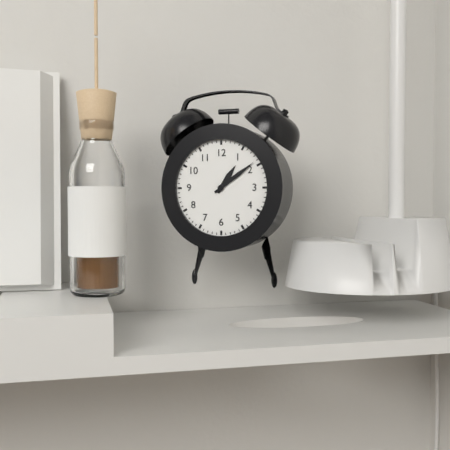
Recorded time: 1.09
